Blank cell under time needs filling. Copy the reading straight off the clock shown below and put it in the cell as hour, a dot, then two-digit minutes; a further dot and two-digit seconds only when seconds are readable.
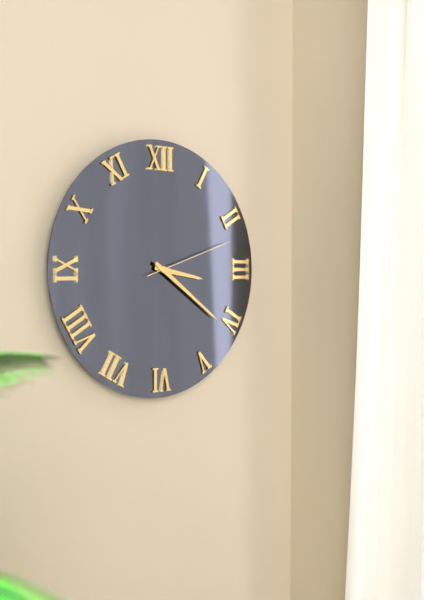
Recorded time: 3.21.12
